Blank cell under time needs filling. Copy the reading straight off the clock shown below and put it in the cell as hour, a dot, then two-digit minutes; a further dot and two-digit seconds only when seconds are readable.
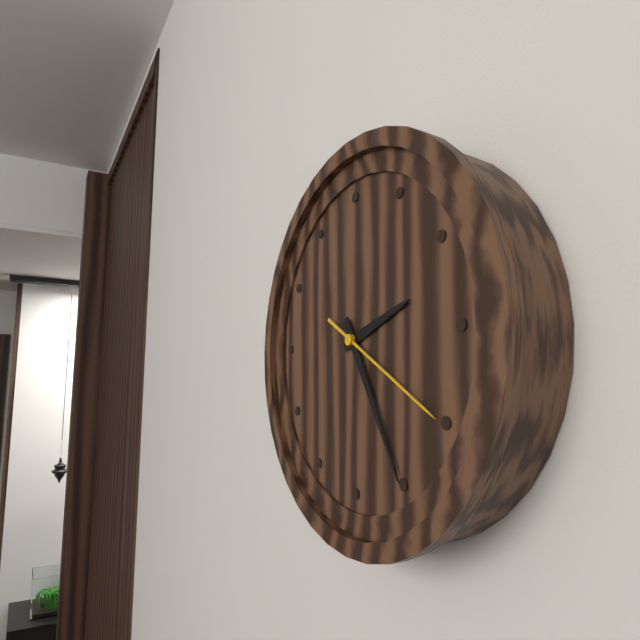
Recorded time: 2.25.20
